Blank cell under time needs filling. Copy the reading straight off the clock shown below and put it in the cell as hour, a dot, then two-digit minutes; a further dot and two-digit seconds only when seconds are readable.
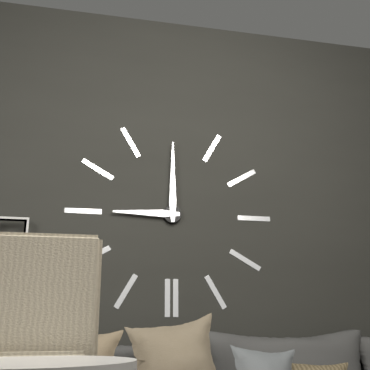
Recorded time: 9.00
